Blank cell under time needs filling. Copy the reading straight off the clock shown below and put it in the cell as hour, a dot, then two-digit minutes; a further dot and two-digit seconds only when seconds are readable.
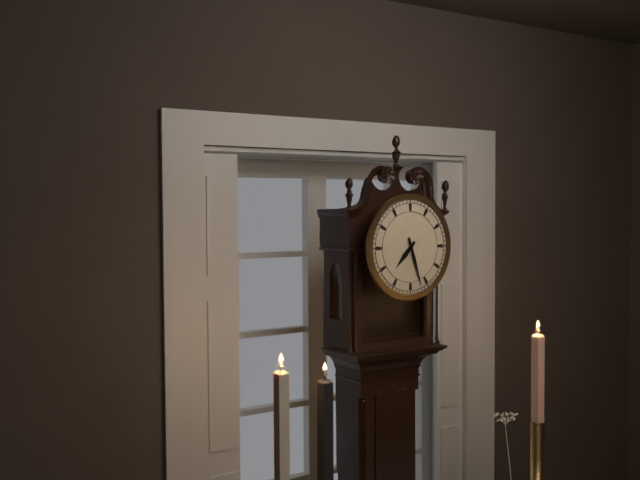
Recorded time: 7.27
